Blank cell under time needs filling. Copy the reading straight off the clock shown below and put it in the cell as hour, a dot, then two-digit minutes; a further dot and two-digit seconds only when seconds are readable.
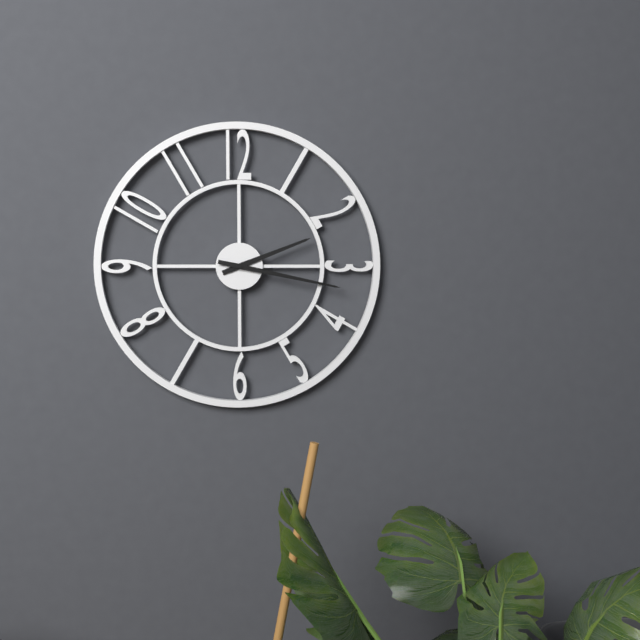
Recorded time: 2.17
